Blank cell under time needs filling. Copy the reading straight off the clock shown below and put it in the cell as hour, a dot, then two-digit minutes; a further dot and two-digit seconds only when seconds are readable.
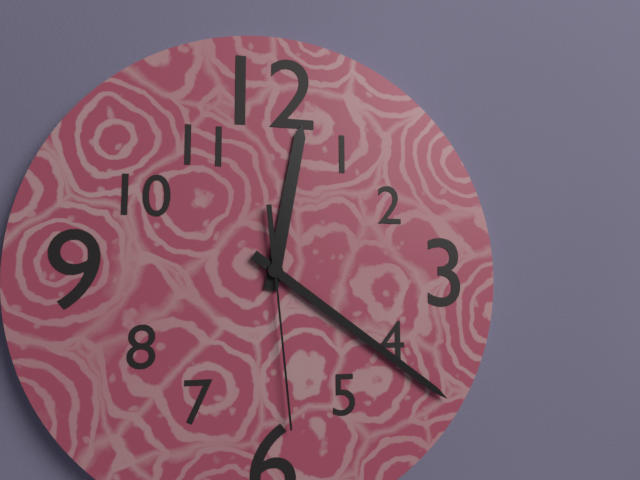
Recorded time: 12.21.29
